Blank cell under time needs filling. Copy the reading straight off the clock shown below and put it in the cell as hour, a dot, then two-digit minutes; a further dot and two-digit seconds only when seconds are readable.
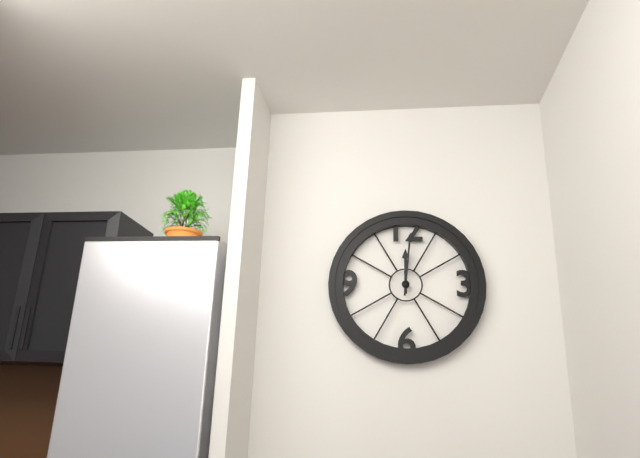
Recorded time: 12.01
